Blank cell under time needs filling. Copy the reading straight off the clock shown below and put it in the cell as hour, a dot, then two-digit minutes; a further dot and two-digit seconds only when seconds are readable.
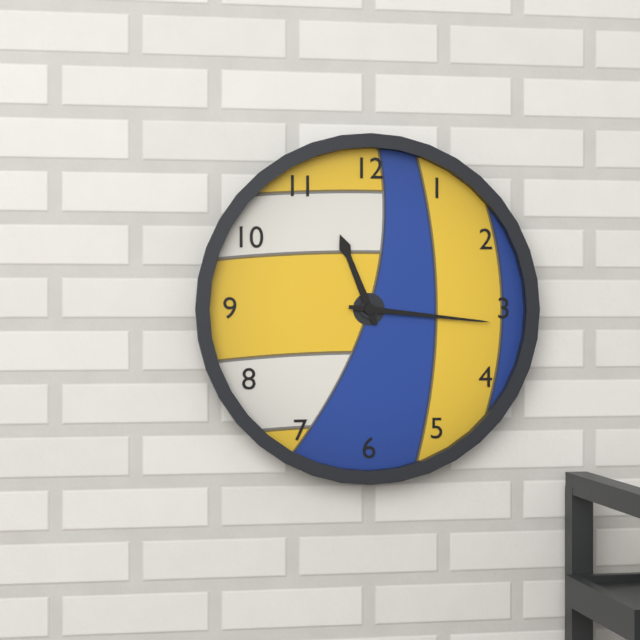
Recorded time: 11.16
